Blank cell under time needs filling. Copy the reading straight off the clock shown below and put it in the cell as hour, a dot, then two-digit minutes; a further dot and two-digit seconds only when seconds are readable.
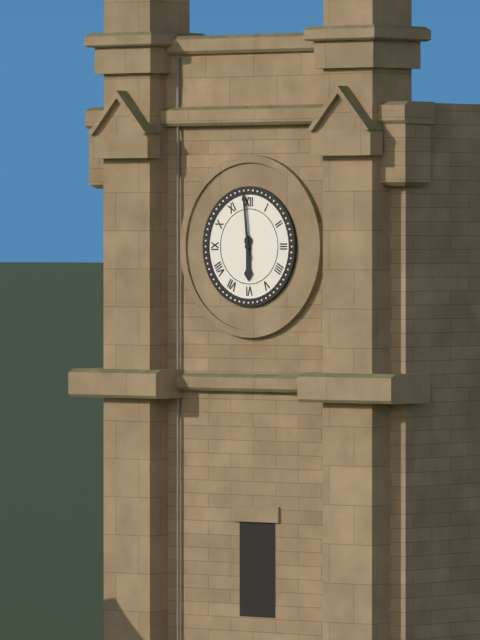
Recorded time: 5.59
